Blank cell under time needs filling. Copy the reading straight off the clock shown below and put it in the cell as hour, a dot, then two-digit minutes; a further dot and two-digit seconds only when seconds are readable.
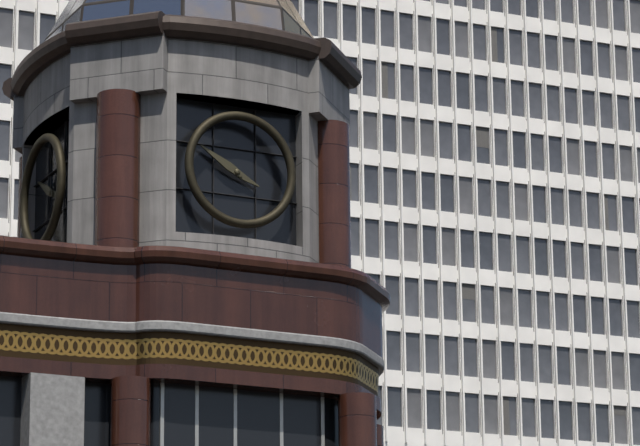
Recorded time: 3.50
